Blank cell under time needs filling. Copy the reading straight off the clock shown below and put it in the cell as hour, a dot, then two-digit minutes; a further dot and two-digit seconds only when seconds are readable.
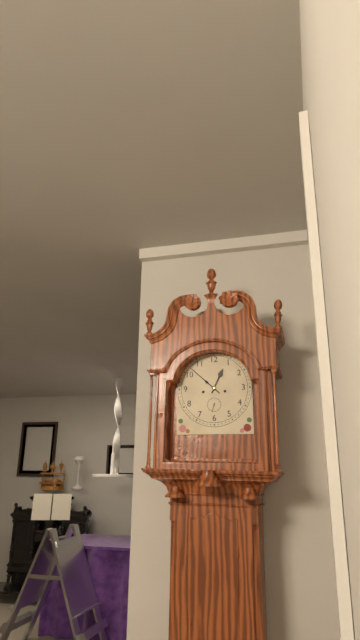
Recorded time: 12.52
